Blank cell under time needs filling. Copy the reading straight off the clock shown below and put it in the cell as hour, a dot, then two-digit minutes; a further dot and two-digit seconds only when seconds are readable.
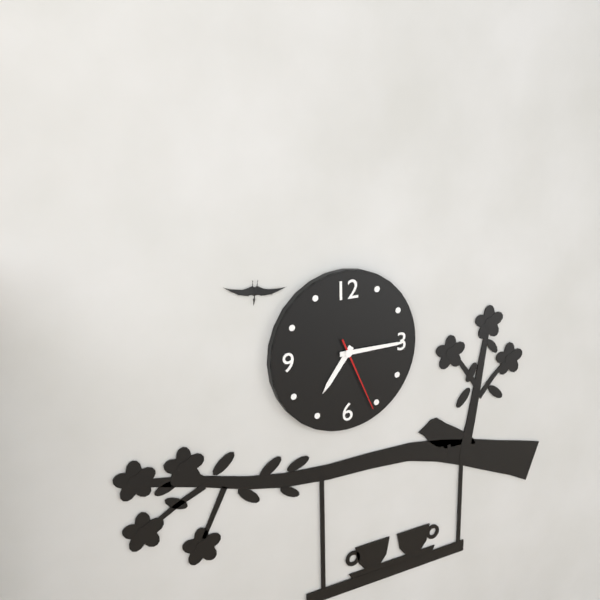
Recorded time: 7.15.26
